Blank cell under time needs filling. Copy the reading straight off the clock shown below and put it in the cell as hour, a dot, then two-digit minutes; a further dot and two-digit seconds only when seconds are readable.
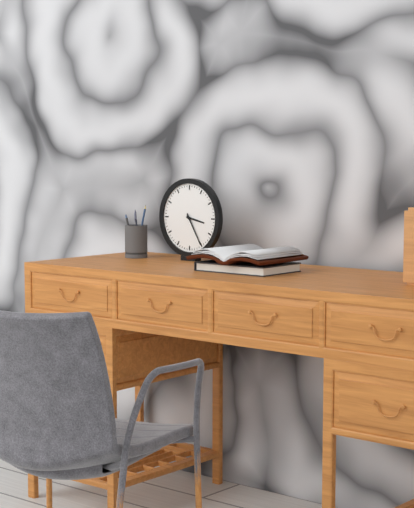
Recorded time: 3.25
